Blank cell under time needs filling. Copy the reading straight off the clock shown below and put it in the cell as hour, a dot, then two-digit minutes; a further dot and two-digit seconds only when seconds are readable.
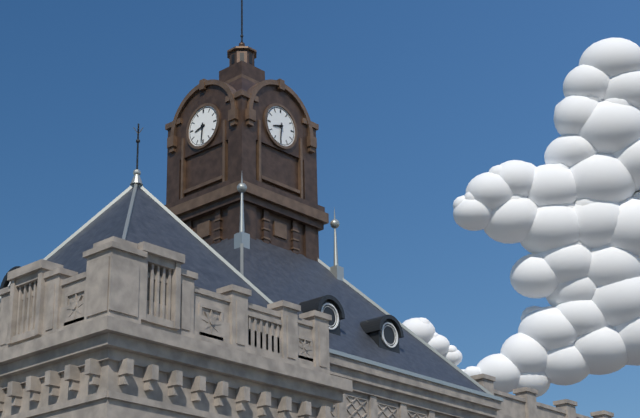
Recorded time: 8.31
